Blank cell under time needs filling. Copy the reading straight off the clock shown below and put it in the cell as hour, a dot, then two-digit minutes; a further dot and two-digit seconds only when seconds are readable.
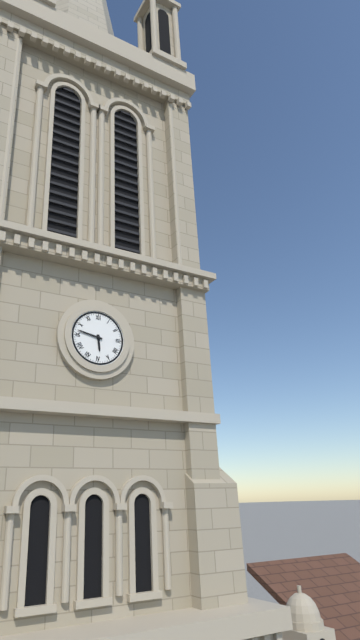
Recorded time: 5.47
